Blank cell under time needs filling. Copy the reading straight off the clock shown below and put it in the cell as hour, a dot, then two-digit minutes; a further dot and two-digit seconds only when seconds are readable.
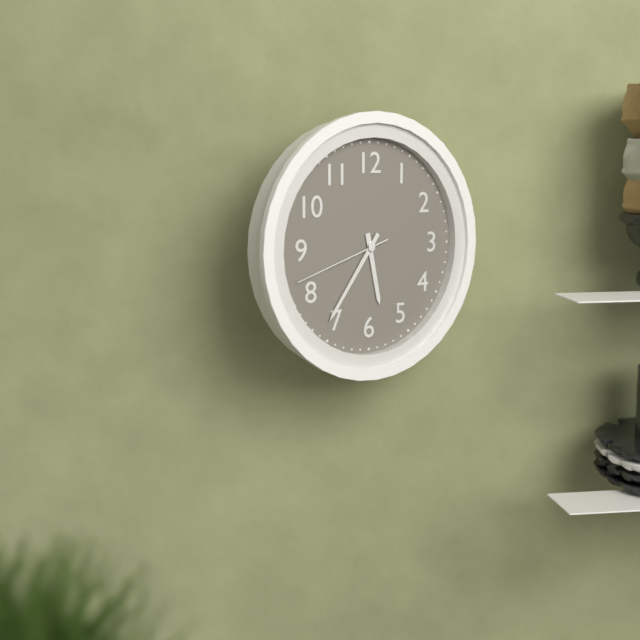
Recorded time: 5.36.42
